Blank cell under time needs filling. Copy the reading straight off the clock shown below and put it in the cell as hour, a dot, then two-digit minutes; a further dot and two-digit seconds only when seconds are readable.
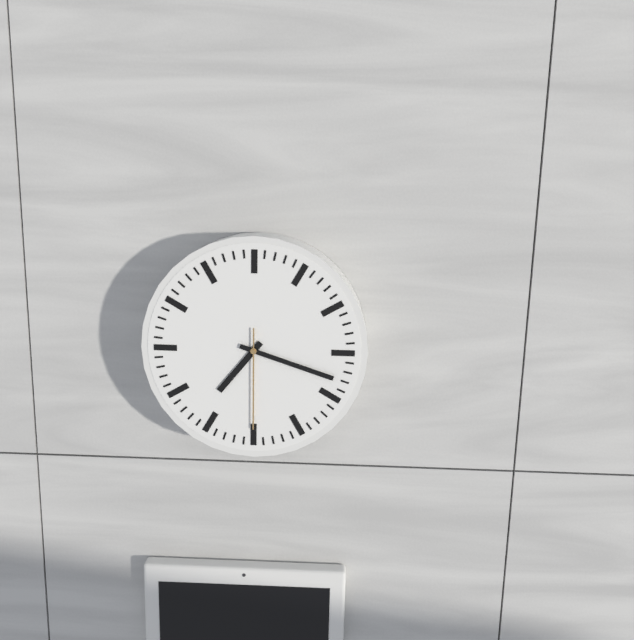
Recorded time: 7.18.30
